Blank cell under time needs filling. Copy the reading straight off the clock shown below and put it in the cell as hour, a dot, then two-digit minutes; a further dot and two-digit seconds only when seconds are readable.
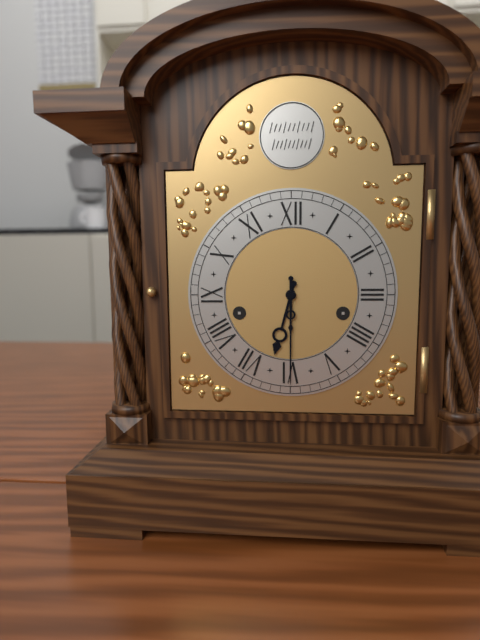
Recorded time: 6.30
